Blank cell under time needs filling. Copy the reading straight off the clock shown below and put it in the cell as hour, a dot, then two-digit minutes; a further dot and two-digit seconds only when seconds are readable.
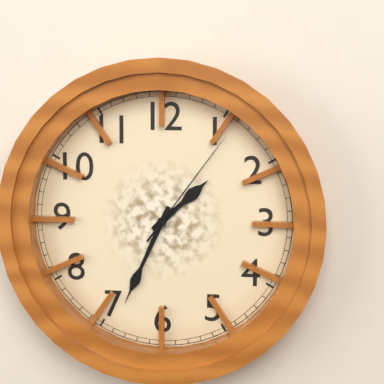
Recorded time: 1.34.06
